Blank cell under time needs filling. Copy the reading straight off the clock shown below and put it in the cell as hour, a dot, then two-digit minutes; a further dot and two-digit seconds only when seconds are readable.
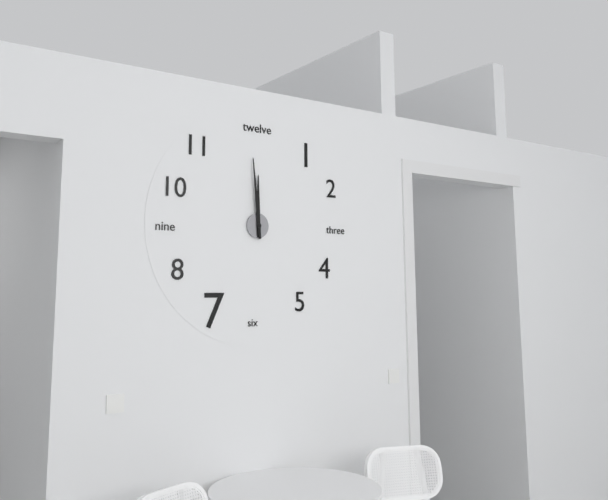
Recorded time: 11.59
